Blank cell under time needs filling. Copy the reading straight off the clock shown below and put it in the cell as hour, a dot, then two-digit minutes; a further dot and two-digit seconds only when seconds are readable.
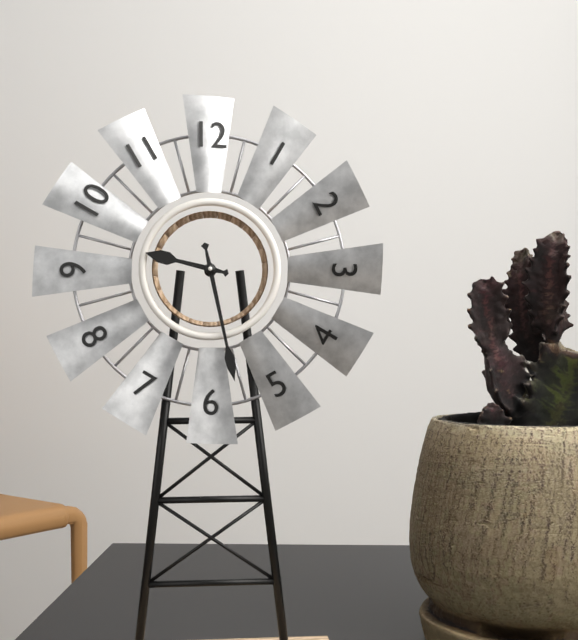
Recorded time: 9.28
